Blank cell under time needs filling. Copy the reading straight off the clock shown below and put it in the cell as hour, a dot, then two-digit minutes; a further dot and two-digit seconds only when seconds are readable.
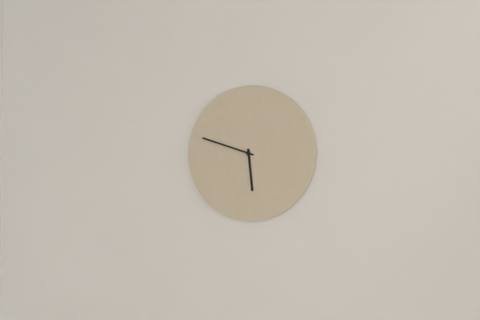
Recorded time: 5.48
